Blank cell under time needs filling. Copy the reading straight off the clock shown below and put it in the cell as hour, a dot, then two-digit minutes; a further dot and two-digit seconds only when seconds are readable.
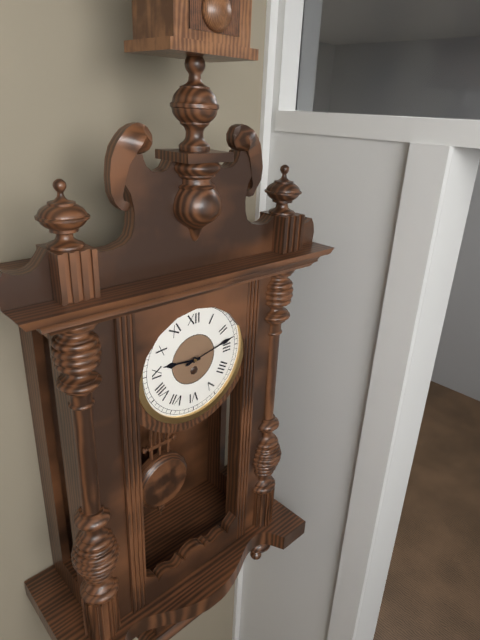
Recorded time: 9.13
